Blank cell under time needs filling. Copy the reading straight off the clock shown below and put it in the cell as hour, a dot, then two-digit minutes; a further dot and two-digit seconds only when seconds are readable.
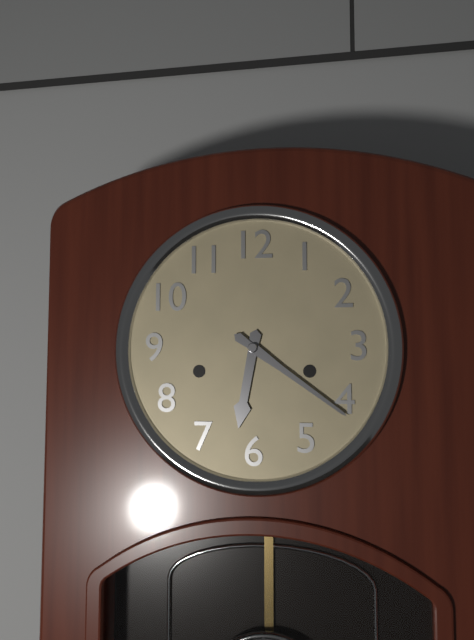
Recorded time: 6.21
